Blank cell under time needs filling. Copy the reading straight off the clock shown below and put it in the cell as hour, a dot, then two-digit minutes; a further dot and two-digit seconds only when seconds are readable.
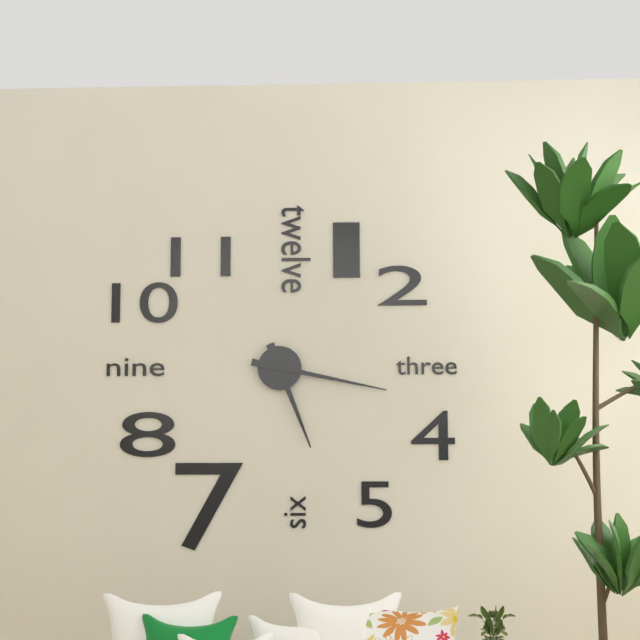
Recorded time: 5.17
